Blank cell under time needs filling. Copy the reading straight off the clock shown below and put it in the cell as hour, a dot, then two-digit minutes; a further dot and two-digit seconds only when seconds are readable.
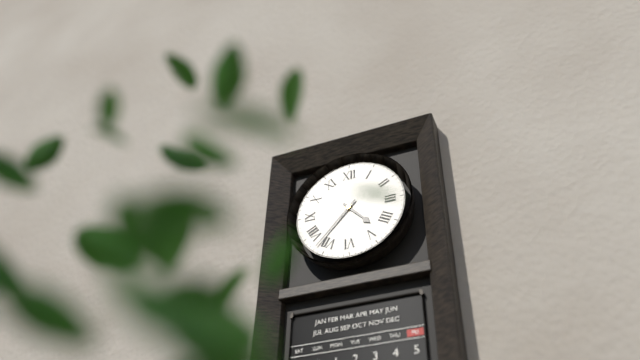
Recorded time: 4.37
